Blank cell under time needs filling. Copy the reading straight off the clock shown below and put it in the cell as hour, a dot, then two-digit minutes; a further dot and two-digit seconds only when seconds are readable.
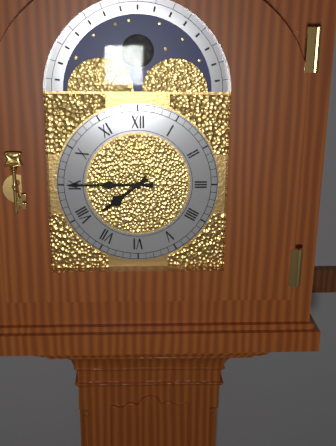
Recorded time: 7.45
